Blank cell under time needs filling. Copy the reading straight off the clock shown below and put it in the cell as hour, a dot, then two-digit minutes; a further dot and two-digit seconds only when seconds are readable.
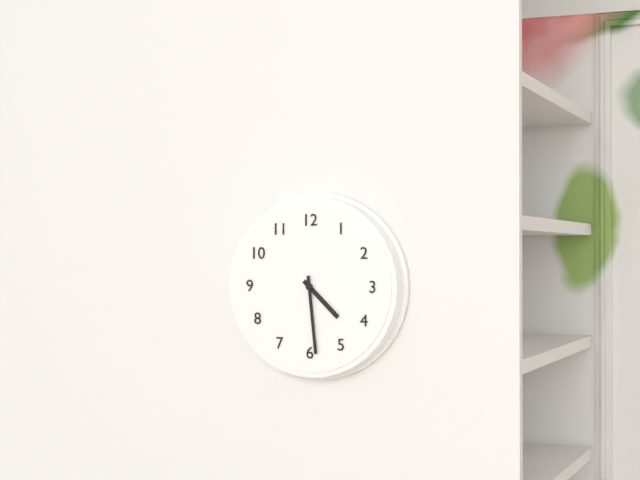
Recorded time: 4.29
